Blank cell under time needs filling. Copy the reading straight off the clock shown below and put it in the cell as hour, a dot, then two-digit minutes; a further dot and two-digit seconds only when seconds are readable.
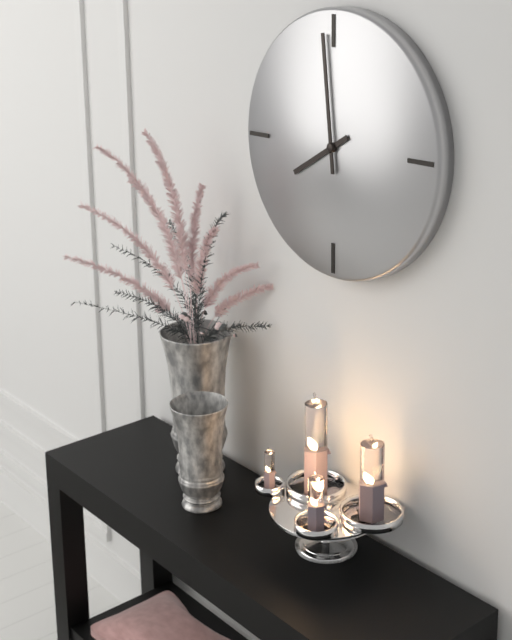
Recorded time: 7.59
